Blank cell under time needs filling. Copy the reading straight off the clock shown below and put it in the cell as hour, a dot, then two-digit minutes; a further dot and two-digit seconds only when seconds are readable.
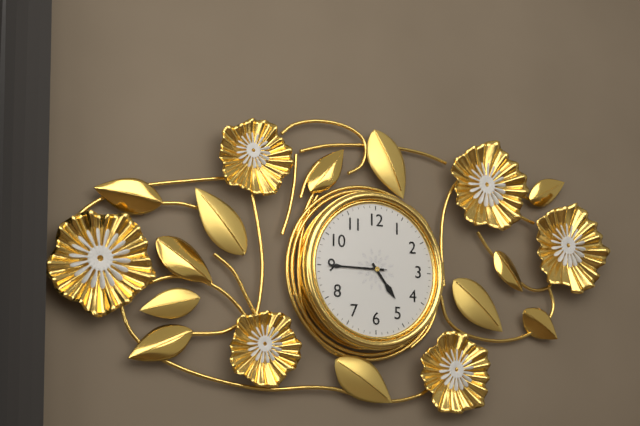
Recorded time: 4.45.45
